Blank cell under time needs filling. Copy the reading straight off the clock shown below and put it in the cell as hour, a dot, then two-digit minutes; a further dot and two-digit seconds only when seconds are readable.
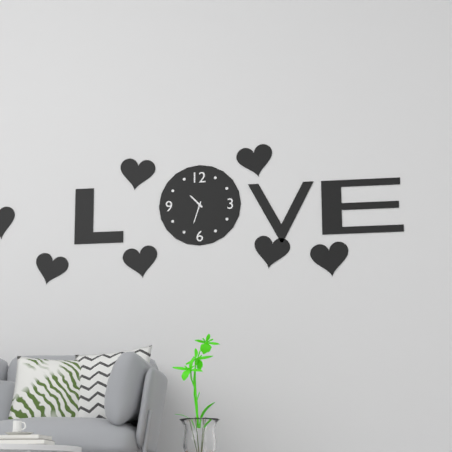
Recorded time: 10.33
